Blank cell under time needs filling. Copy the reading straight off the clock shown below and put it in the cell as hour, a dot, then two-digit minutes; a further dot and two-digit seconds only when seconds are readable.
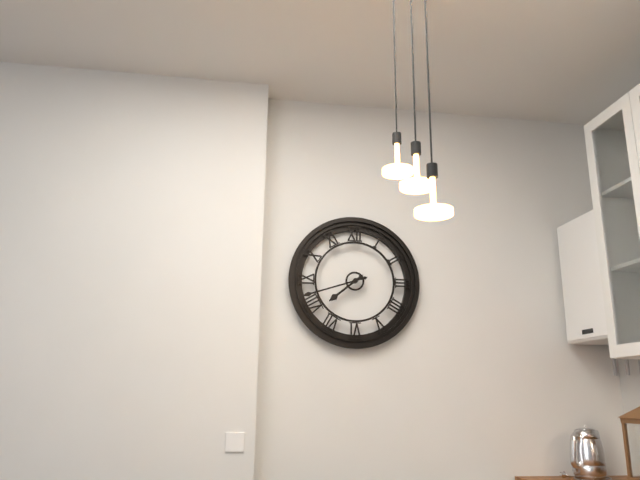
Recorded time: 7.42
